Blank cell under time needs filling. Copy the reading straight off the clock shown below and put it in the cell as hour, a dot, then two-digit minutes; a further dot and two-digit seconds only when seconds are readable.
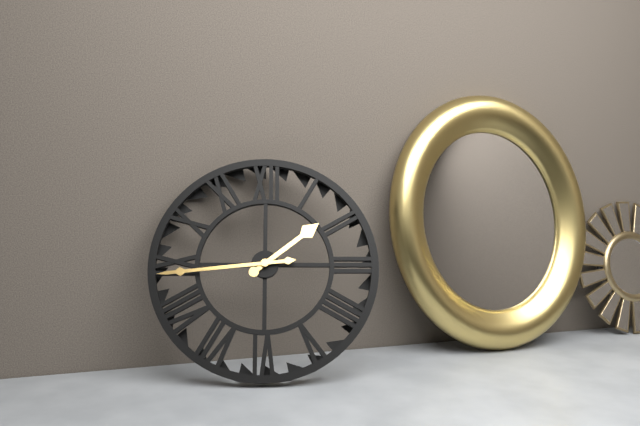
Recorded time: 1.44
